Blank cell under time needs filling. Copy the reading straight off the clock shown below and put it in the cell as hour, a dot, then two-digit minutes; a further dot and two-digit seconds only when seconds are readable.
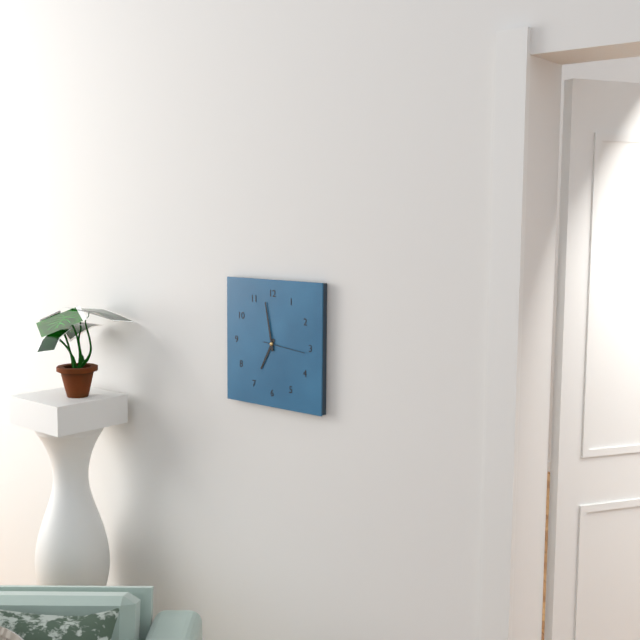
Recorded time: 6.58
